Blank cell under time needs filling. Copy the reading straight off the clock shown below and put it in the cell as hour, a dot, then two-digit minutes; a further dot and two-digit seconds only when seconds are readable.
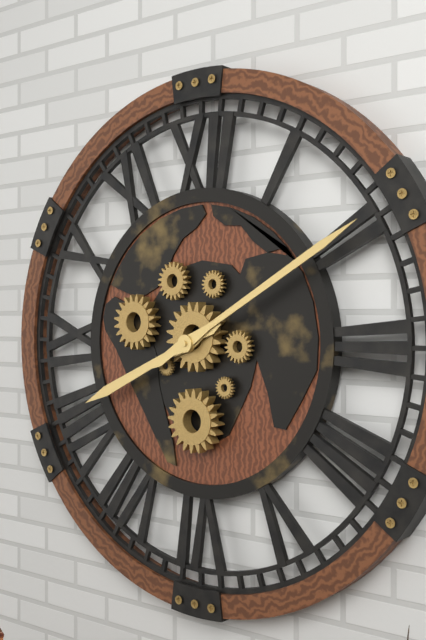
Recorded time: 8.10
